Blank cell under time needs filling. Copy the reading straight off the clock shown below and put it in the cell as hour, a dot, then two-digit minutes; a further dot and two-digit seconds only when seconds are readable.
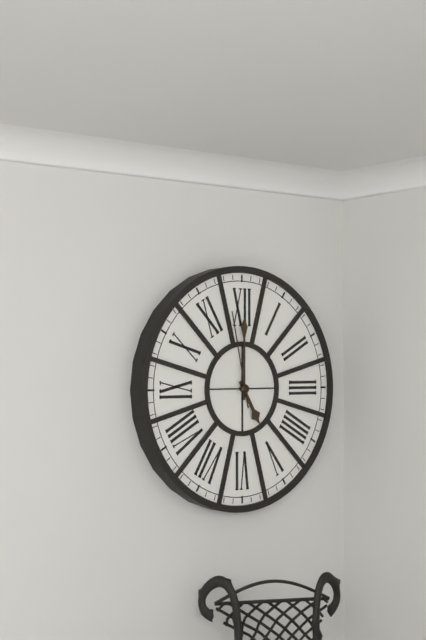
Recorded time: 5.00.58
